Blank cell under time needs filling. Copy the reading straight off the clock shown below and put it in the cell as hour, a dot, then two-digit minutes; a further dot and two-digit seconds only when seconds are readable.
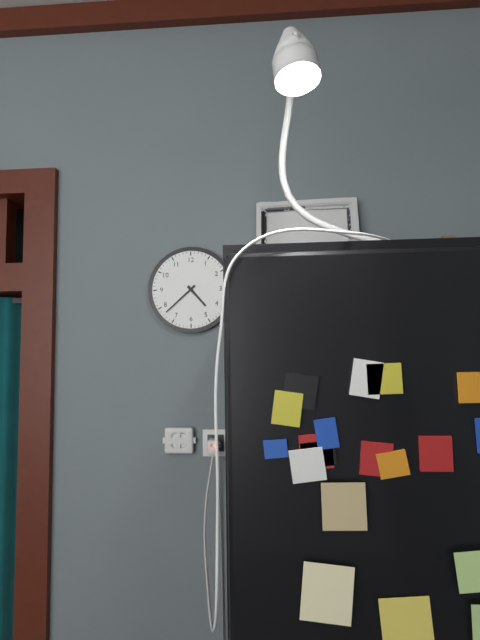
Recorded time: 4.38
